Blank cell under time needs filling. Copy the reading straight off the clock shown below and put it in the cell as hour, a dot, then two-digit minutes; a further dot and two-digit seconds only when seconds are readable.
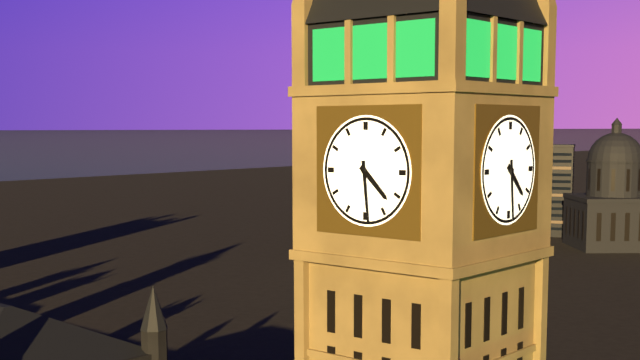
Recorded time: 4.29
